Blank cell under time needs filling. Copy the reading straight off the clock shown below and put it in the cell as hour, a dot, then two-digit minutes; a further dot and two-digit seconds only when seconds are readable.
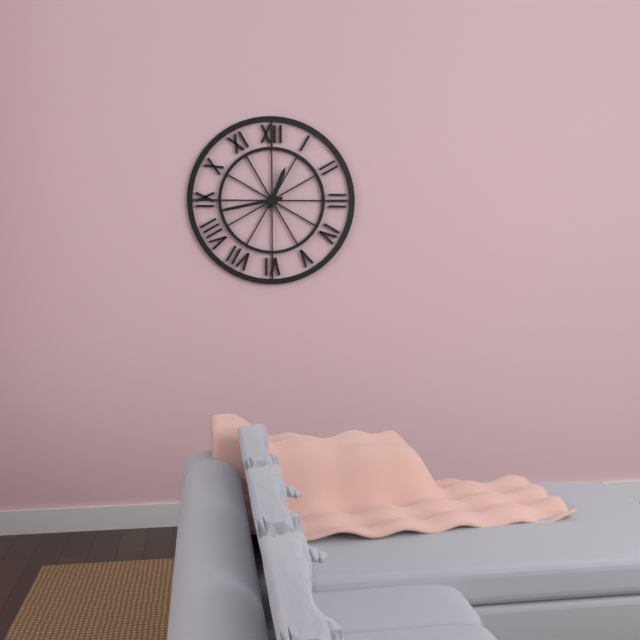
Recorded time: 12.43
